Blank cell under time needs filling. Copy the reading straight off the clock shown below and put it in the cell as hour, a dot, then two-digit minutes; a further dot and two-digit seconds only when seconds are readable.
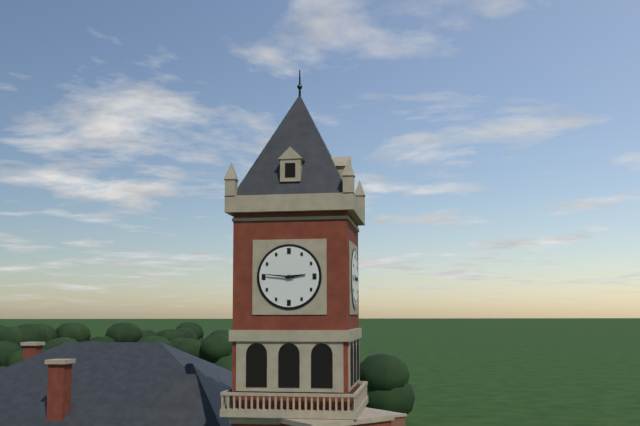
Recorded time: 2.46
